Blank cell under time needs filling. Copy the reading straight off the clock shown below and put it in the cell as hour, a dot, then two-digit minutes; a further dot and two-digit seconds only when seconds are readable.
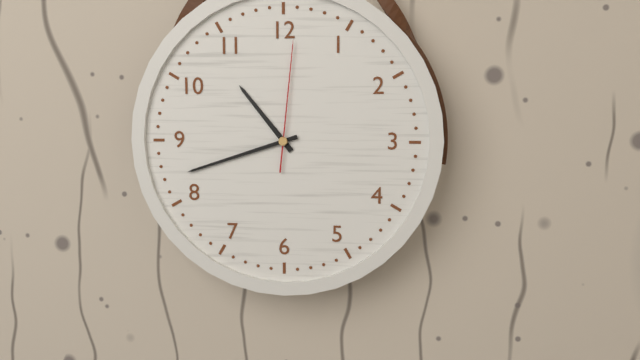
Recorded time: 10.42.01
